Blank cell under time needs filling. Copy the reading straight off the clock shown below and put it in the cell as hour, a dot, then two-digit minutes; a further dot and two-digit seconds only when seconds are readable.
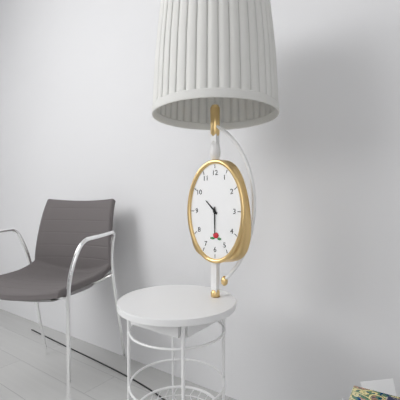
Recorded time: 10.30
